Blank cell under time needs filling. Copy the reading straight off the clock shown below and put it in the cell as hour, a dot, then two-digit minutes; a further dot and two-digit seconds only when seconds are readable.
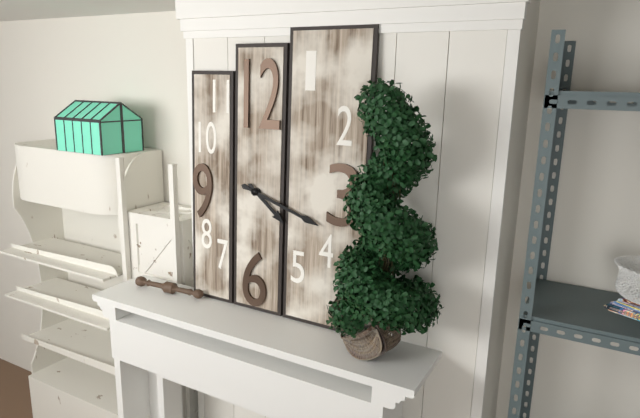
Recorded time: 4.18
